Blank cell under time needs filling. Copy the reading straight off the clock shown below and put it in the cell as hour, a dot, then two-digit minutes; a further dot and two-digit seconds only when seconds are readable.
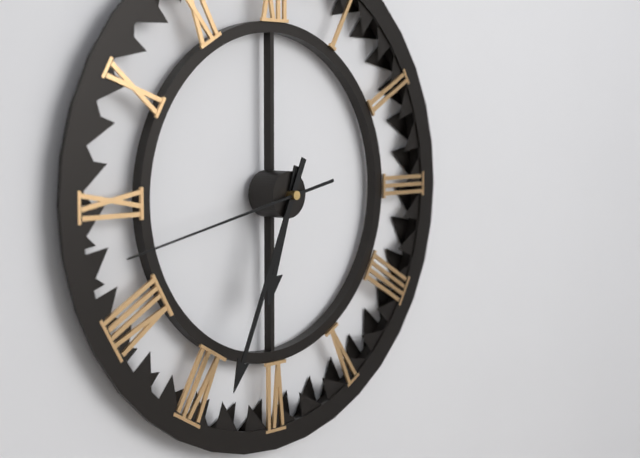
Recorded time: 6.34.43
